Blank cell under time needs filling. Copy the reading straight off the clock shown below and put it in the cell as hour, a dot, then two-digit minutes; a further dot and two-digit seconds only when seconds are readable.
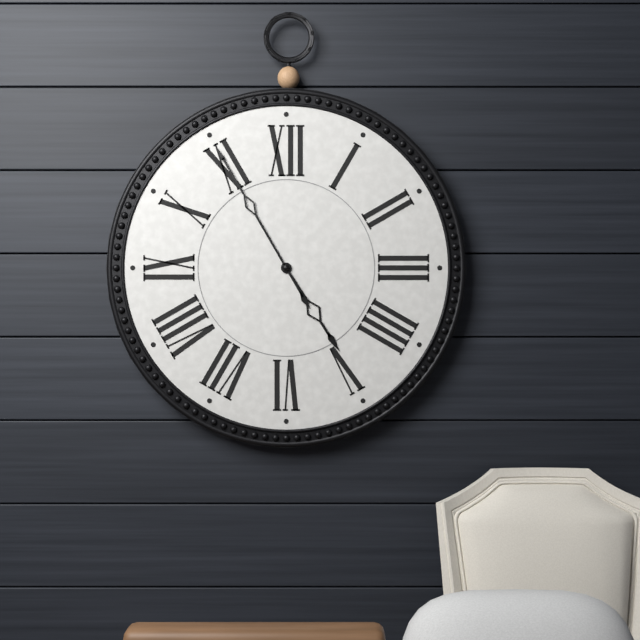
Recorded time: 4.55
